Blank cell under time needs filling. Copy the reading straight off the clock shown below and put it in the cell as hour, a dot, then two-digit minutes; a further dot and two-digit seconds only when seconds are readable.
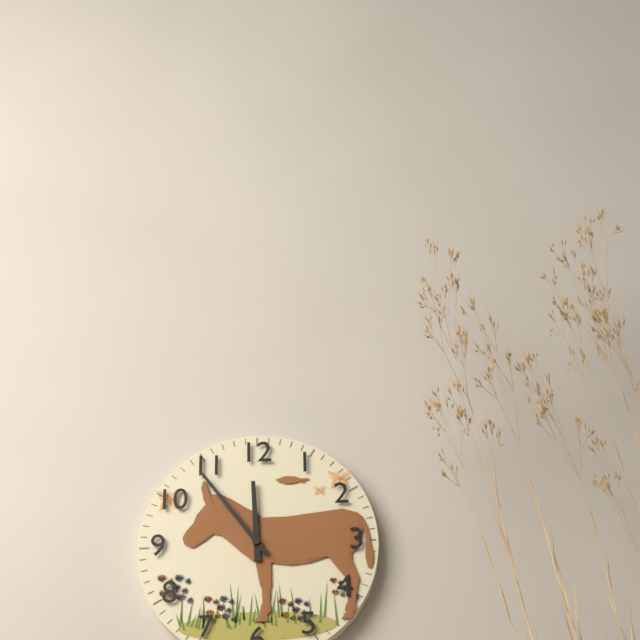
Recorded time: 11.54
